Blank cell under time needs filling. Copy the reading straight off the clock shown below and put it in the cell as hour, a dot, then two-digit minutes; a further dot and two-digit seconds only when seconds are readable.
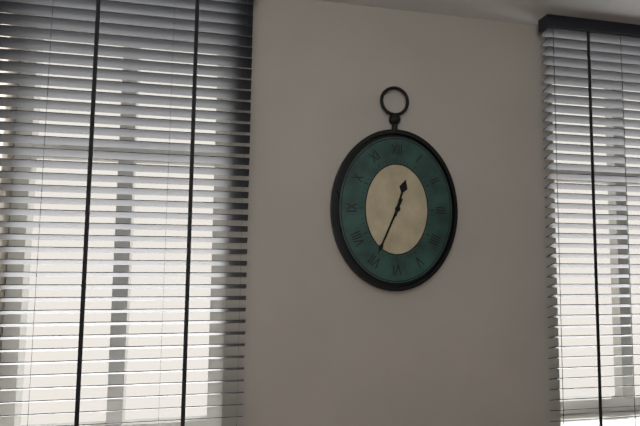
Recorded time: 12.34
